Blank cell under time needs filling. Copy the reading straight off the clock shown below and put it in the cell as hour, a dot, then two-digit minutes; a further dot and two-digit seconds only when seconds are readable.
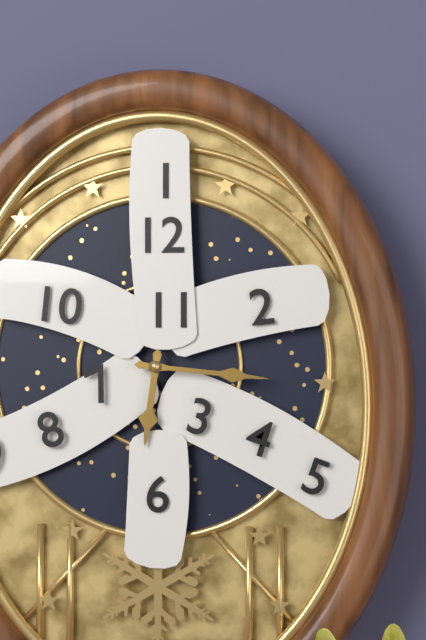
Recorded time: 6.16
